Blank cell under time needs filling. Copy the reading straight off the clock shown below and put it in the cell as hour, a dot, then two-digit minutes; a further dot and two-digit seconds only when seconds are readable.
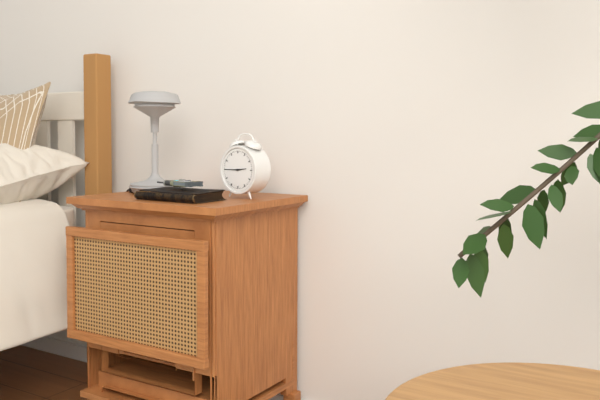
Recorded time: 2.45
